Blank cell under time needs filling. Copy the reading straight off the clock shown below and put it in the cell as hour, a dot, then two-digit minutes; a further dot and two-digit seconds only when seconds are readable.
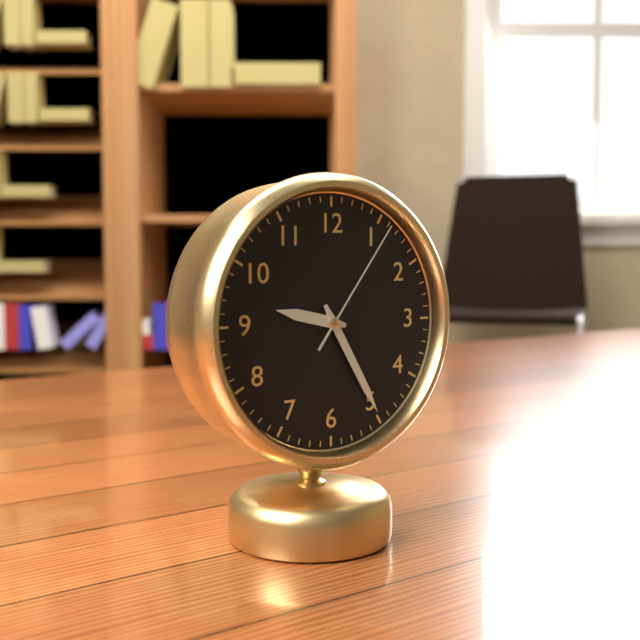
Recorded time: 9.25.06
